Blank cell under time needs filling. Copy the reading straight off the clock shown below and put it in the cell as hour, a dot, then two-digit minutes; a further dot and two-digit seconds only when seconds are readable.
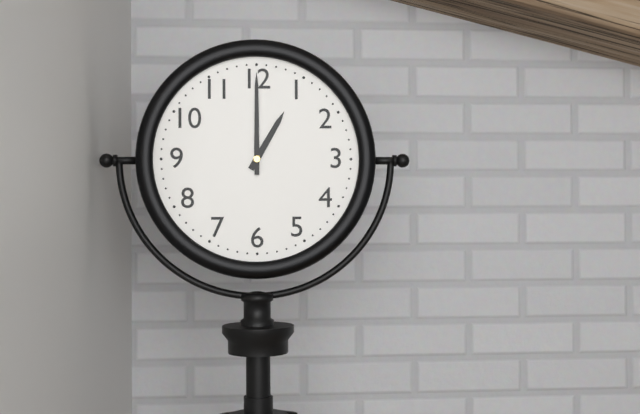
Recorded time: 1.00
